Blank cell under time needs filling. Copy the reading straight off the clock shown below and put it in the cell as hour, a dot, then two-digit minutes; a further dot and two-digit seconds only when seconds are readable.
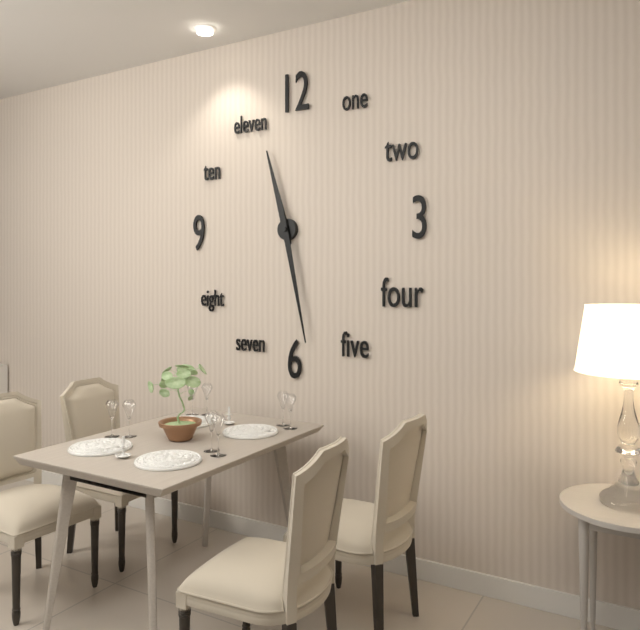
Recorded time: 11.28
